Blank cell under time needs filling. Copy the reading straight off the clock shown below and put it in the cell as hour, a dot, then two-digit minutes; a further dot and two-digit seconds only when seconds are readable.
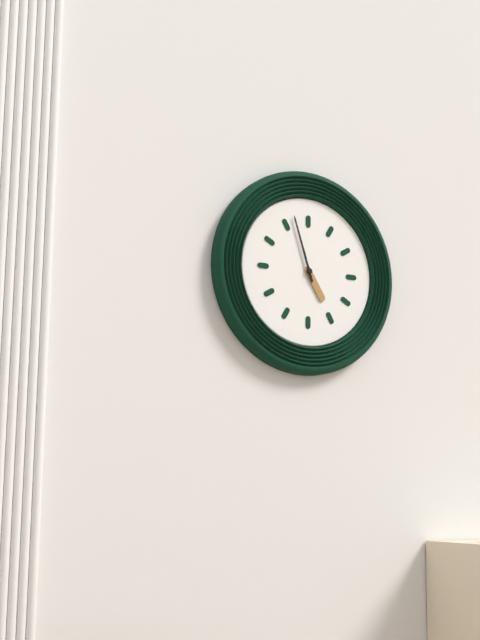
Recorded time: 4.57
